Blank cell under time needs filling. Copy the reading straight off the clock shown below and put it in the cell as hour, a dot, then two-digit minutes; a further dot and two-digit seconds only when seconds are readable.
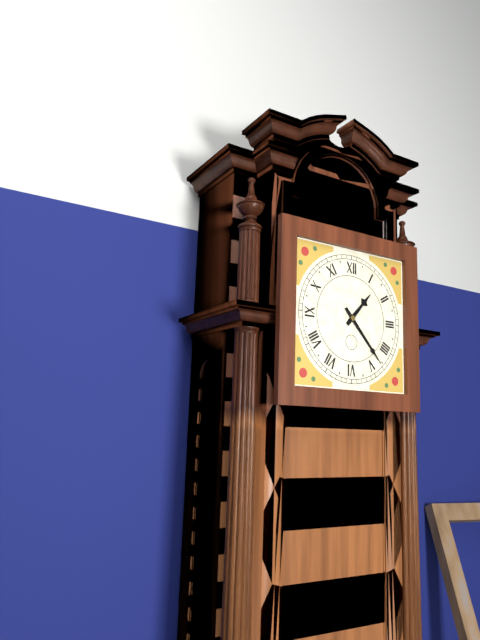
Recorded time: 1.23
